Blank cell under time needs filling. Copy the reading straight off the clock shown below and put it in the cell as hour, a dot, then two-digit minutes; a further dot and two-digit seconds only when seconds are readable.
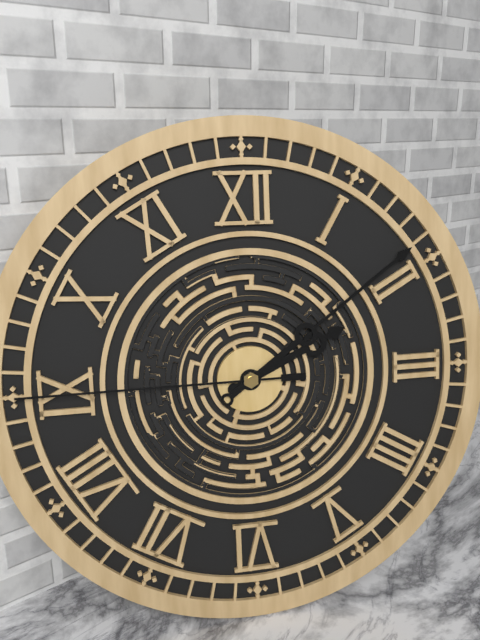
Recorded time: 2.09.45
